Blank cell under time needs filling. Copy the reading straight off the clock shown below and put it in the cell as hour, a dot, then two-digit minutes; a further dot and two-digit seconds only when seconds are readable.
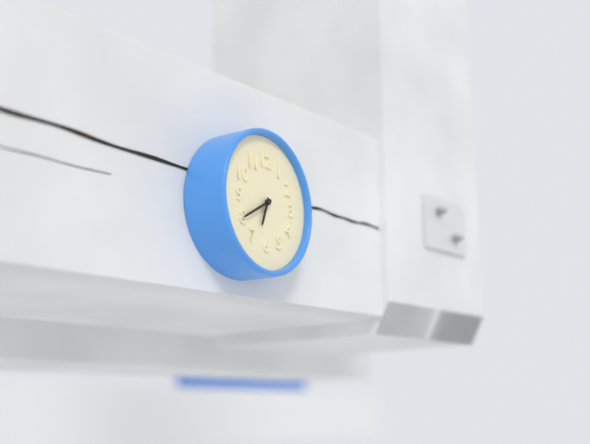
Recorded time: 6.40
